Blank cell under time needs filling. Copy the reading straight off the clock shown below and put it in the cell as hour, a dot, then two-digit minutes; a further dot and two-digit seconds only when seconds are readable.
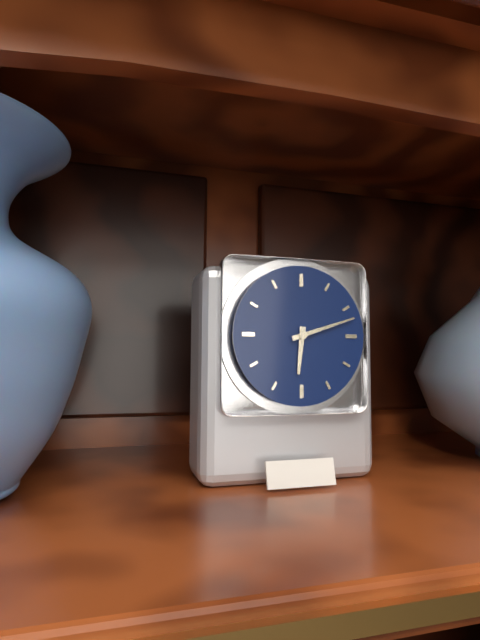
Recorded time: 6.12
